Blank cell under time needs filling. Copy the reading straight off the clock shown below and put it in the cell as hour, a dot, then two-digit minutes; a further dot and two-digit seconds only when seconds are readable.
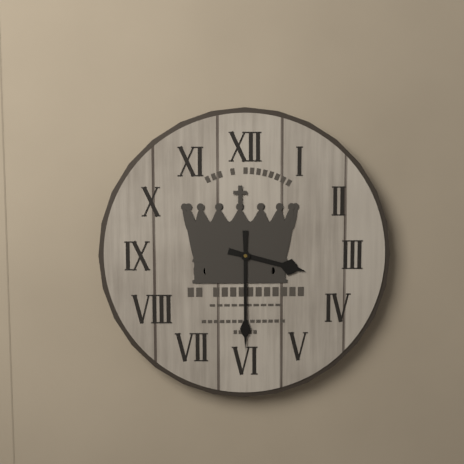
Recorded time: 3.30
